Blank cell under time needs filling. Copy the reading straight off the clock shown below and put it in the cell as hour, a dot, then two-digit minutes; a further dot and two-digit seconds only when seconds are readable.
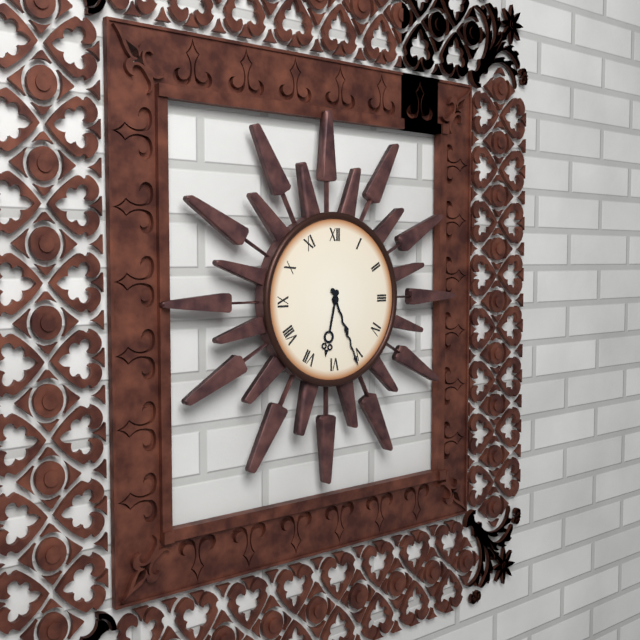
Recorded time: 6.26
